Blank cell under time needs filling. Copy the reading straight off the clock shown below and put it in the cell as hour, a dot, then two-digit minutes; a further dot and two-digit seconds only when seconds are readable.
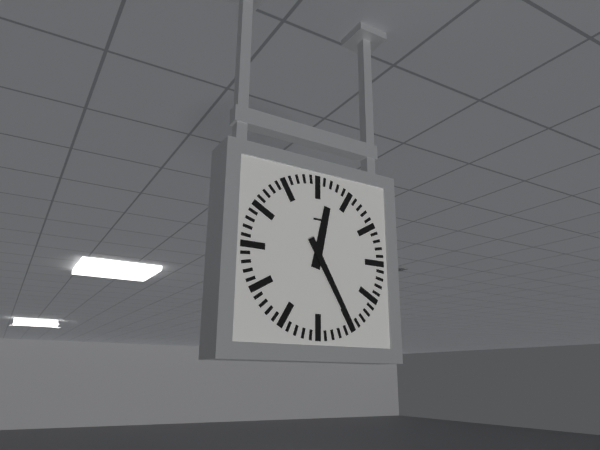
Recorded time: 12.25
